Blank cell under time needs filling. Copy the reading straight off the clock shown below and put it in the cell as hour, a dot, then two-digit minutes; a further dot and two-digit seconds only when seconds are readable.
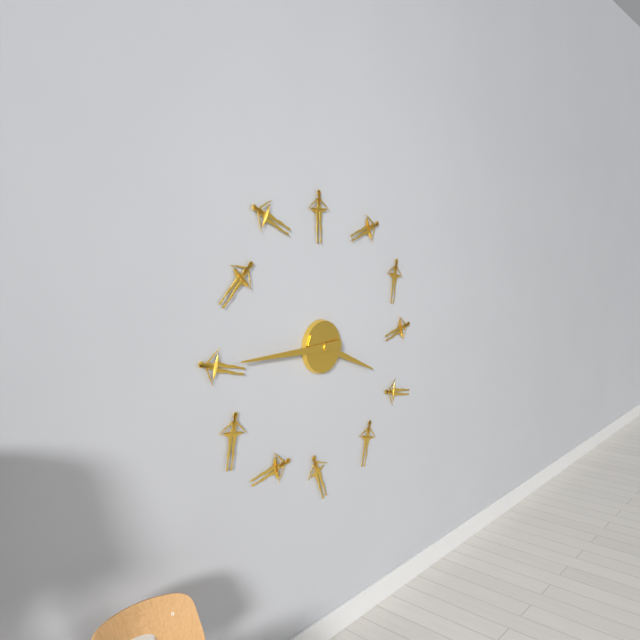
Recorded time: 3.45
